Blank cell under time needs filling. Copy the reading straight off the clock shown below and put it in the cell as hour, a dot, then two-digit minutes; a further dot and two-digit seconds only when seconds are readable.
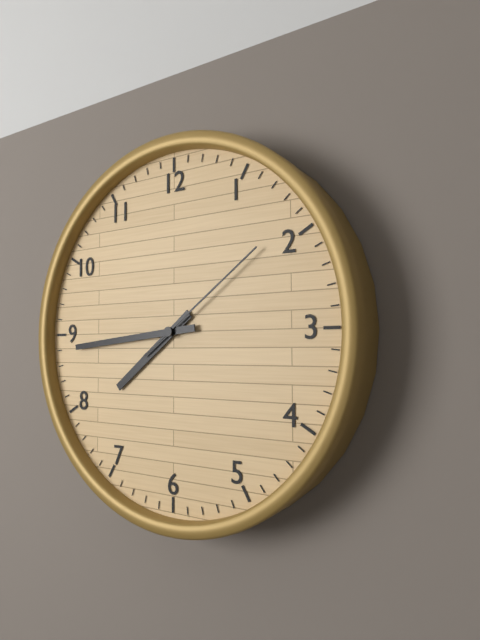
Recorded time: 7.44.09
